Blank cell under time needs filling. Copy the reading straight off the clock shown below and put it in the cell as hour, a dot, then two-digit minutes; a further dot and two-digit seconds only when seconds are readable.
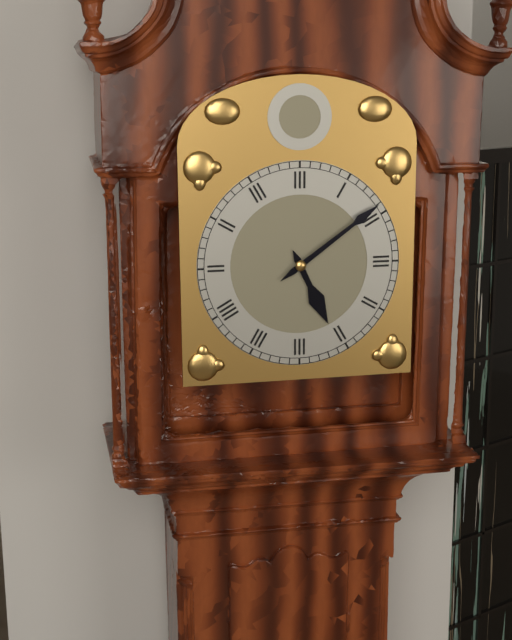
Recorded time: 5.09
